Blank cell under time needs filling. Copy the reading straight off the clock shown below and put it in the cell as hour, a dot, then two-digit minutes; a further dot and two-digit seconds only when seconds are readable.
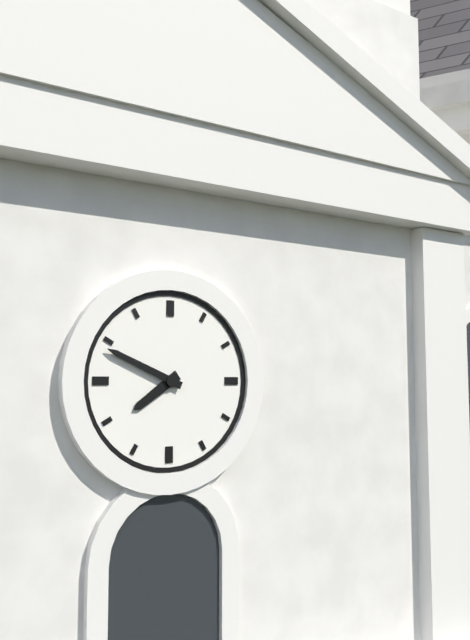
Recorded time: 7.49
